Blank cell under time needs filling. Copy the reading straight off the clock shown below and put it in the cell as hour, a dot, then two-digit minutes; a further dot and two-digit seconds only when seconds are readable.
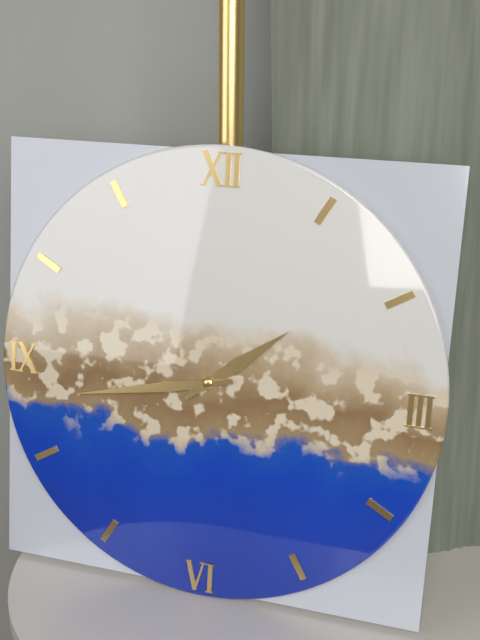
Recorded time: 1.43
